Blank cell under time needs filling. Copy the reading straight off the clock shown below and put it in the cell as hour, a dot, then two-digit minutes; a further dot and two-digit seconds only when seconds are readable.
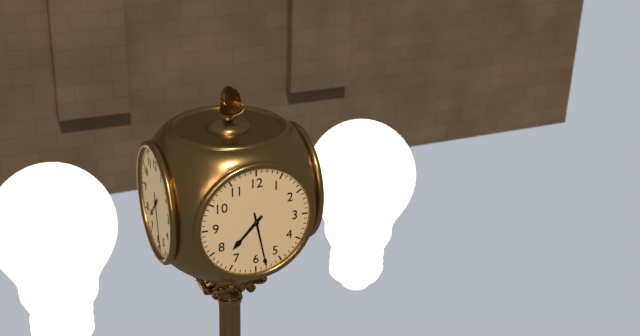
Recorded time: 7.28
